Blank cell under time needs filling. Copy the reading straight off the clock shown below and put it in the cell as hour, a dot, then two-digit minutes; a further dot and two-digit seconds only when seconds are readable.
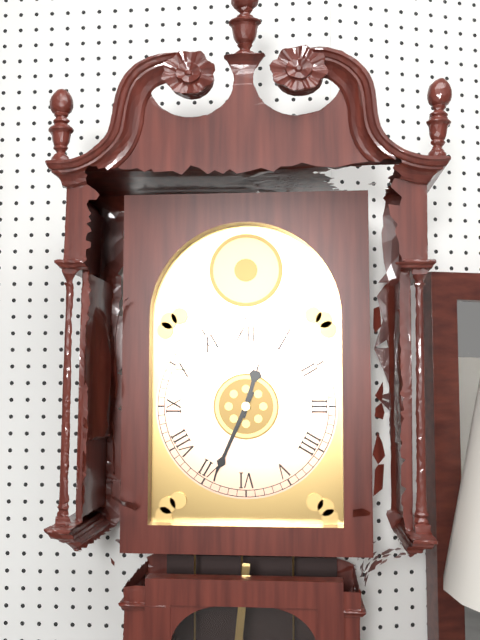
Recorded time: 12.34
